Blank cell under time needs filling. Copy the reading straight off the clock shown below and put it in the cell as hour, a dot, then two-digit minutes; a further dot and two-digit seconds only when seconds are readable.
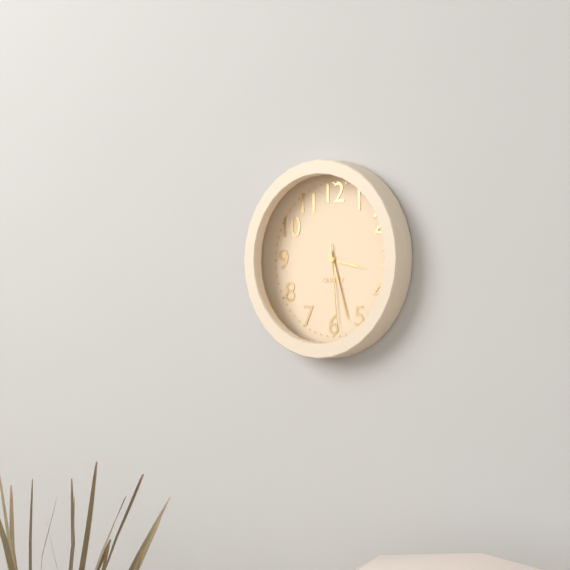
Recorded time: 3.27.29
